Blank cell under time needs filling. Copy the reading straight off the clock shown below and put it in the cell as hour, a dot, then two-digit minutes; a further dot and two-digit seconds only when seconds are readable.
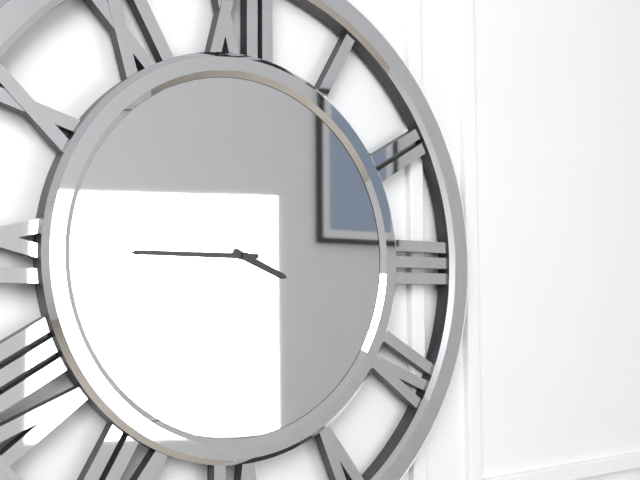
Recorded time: 3.45
